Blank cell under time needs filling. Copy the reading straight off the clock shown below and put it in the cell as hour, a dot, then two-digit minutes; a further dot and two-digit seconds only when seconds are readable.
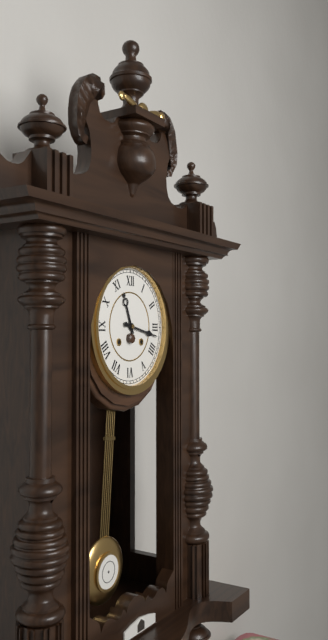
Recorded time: 11.17
